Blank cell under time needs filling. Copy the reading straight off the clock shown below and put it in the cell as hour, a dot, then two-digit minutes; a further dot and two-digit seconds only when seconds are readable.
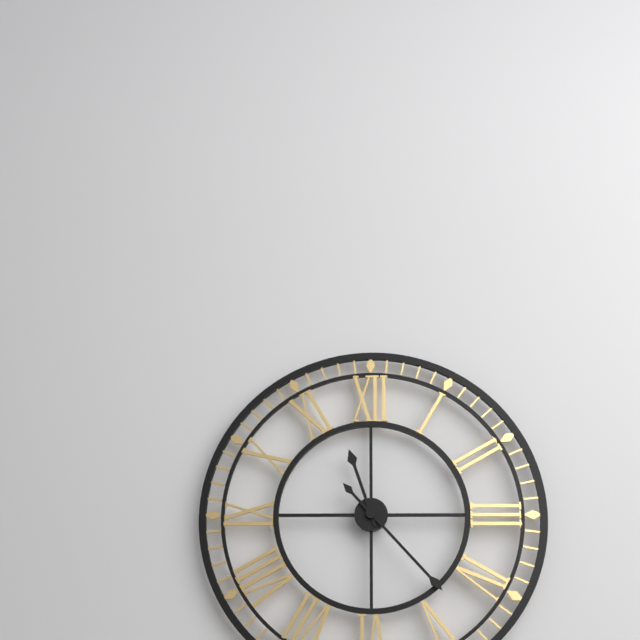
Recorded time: 11.23
